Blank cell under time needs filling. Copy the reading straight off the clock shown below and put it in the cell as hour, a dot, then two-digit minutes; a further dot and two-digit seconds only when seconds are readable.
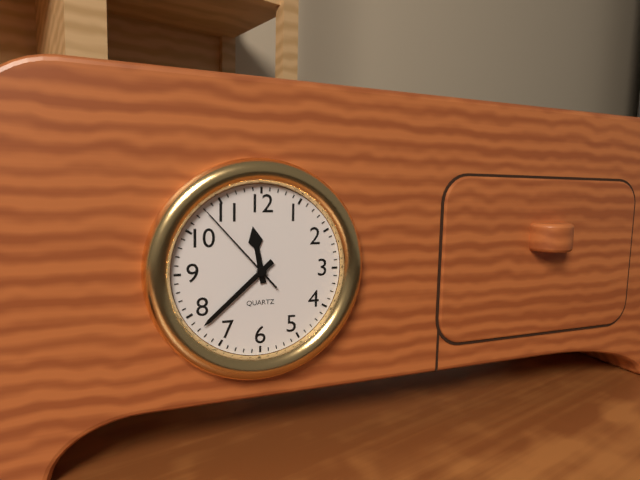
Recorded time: 11.38.53
